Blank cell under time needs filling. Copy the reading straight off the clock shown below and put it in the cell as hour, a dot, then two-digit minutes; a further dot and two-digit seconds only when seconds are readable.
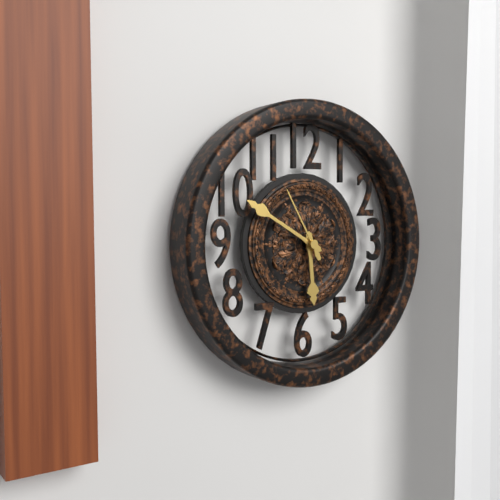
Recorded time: 5.50.55
